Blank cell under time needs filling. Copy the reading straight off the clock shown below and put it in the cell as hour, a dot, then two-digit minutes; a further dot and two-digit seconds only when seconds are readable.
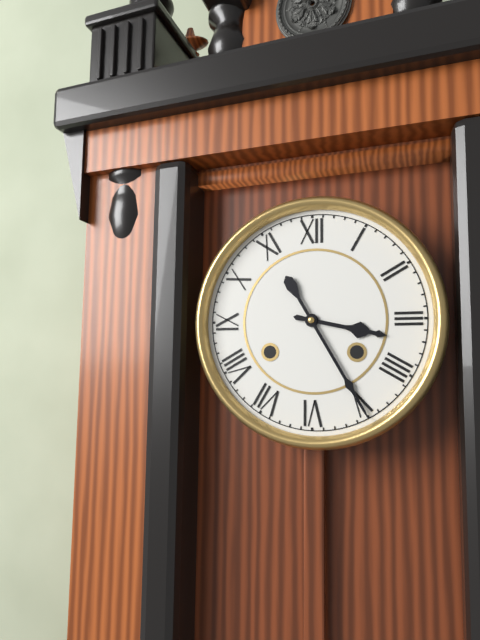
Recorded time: 3.25
